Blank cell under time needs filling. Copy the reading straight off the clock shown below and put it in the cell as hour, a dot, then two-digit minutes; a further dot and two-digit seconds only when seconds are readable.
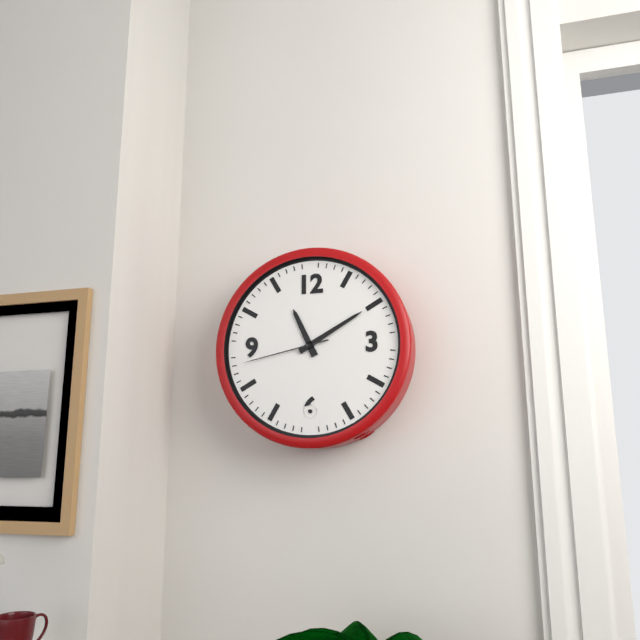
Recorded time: 11.10.43
